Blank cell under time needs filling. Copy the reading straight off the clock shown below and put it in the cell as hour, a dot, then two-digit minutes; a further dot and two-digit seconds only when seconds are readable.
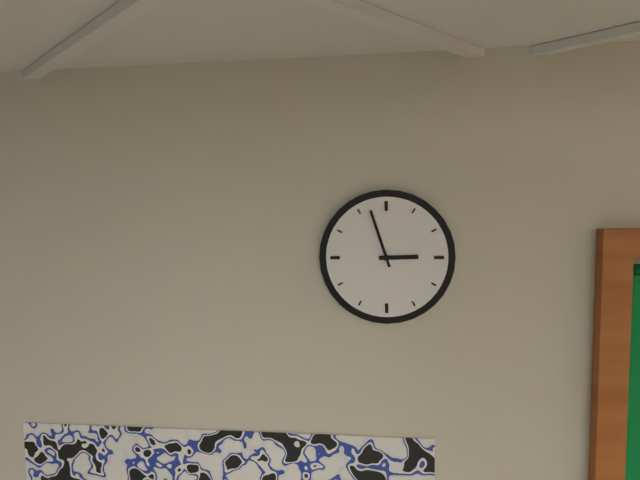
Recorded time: 2.57
